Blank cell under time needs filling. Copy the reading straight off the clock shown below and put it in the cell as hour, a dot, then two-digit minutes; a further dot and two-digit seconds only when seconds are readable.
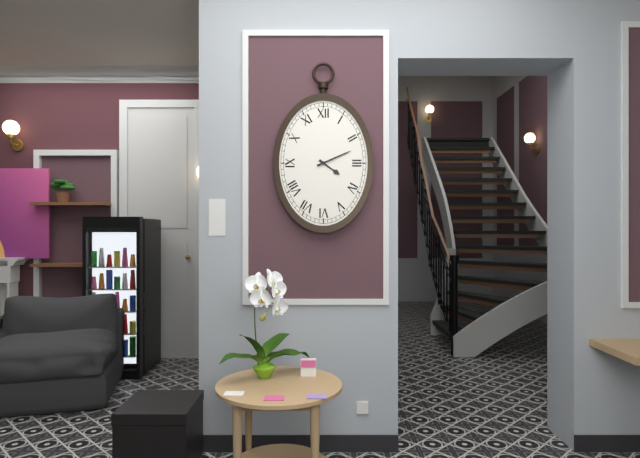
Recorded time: 4.11
